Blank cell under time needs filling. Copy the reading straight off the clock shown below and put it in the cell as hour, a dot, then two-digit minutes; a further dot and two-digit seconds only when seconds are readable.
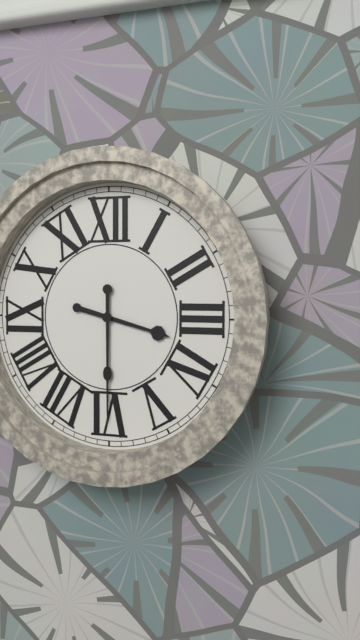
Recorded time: 3.30
